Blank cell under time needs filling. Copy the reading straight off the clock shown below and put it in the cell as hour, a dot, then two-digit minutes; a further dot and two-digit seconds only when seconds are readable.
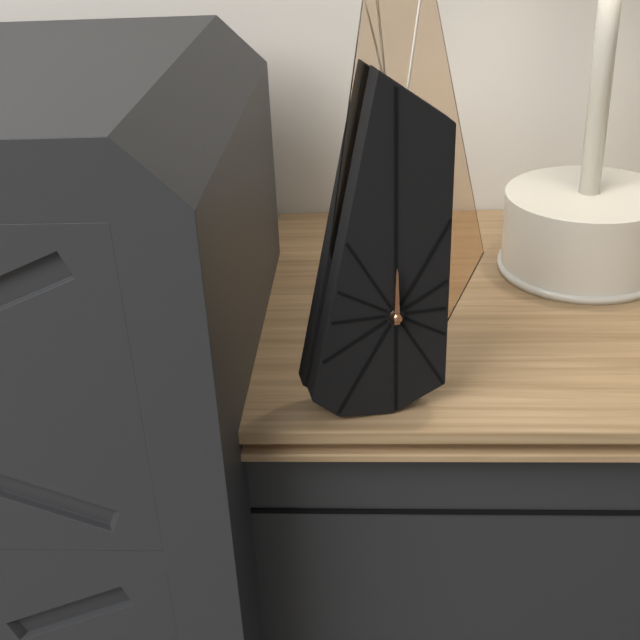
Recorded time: 12.00
